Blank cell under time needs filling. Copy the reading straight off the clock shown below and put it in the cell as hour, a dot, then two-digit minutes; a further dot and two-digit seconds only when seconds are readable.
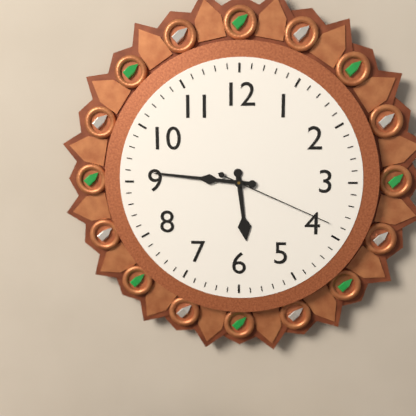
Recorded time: 5.46.19
